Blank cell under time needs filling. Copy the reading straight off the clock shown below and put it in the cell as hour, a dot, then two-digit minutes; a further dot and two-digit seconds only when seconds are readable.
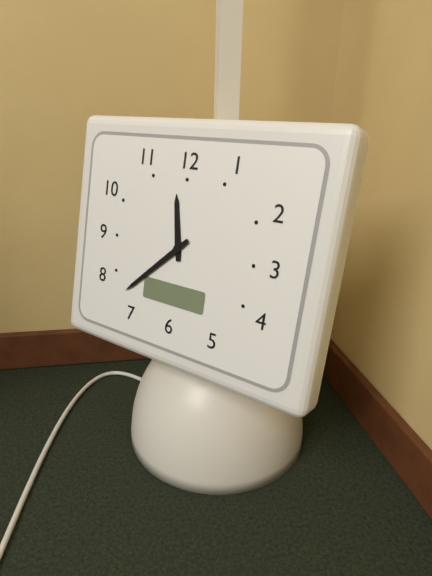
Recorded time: 11.38
